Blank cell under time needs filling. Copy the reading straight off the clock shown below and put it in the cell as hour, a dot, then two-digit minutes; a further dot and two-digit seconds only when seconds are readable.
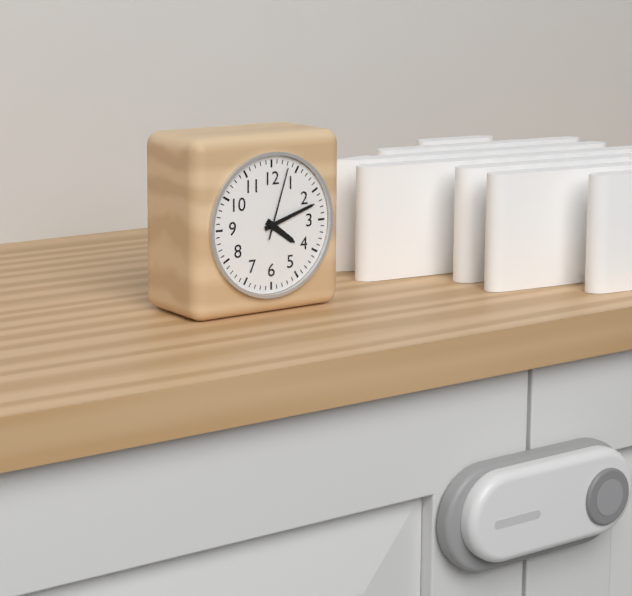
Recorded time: 4.12.03
